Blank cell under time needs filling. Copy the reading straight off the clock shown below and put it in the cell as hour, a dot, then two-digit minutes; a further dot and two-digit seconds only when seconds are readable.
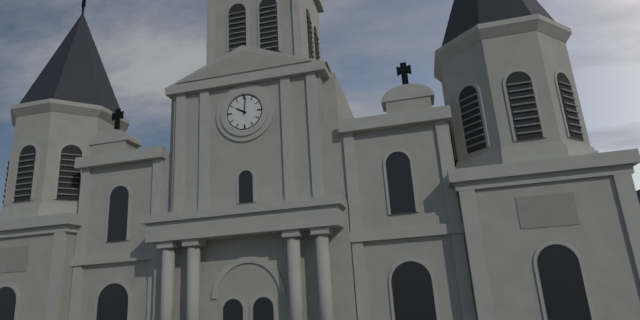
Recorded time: 10.01
